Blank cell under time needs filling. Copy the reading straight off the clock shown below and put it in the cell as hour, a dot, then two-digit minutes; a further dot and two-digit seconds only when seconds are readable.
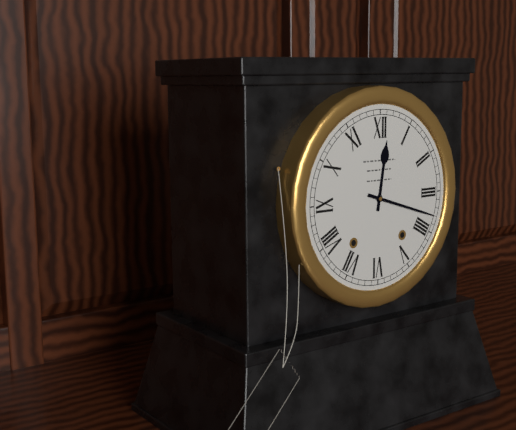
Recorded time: 12.18
